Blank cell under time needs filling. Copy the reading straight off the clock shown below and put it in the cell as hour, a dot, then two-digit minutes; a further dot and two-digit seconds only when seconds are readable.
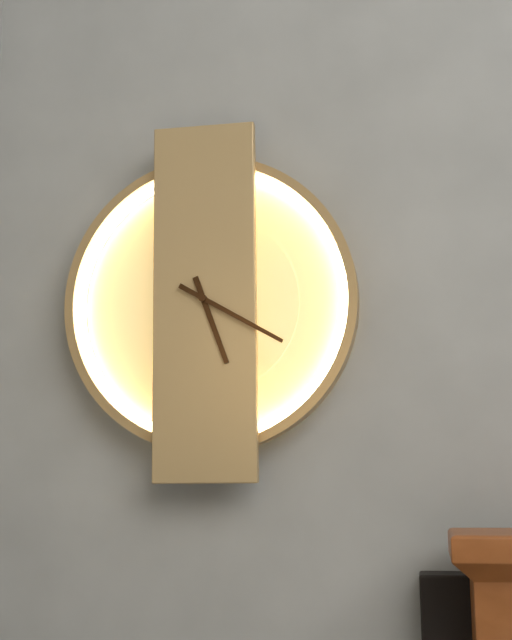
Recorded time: 5.20
